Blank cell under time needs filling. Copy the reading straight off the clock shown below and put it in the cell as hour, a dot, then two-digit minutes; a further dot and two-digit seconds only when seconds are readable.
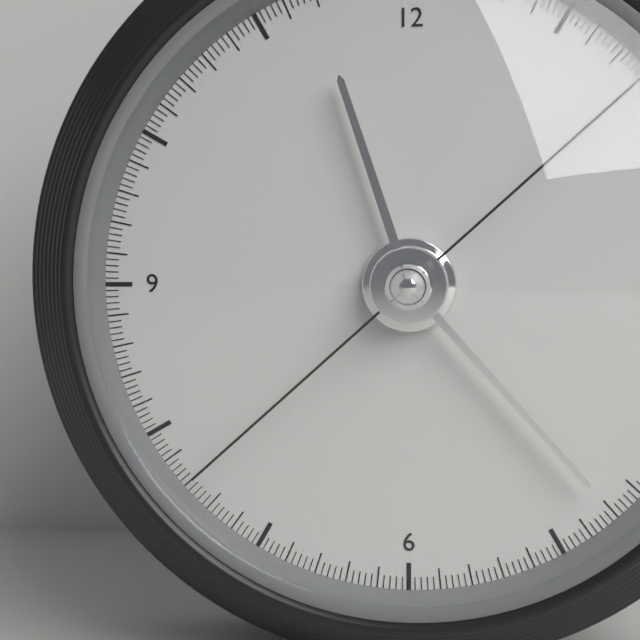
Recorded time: 11.23.08
